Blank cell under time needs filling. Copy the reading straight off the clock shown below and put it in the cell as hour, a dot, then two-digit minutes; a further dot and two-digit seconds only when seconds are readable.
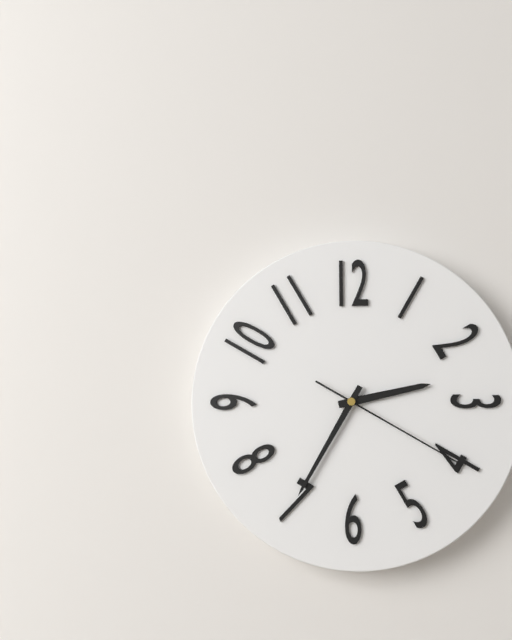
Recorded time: 2.35.20
